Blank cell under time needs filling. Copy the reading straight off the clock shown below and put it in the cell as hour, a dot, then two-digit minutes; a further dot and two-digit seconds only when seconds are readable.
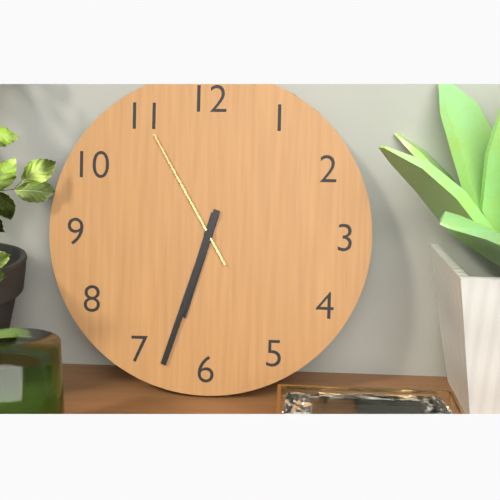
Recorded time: 6.33.55
